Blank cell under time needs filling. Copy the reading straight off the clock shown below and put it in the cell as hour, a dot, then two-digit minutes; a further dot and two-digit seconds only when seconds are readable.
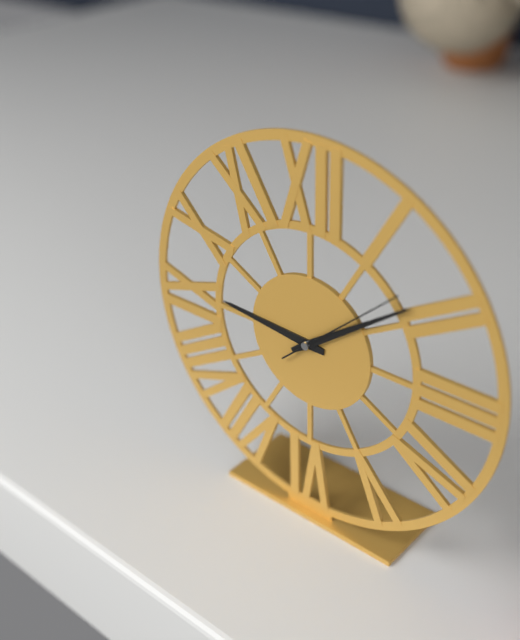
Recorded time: 9.09.08
